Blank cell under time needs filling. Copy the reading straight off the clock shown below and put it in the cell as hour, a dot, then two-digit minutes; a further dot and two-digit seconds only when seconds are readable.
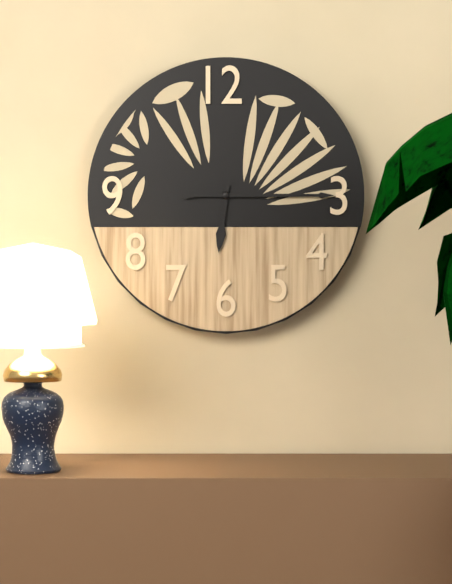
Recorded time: 6.15
